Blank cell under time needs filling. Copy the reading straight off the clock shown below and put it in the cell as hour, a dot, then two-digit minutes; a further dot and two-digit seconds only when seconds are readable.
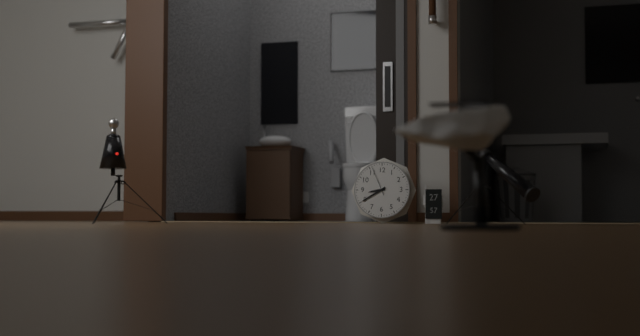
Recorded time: 8.40
